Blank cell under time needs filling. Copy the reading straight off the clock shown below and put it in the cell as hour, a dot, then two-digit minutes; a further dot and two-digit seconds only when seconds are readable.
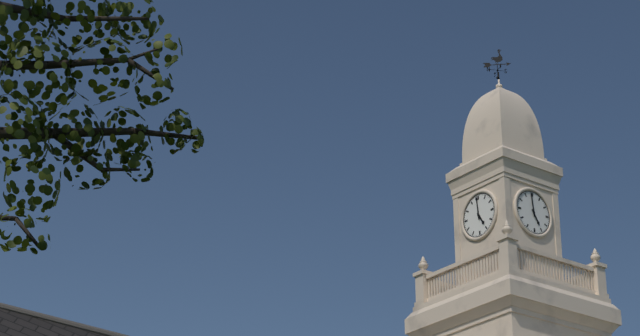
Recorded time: 4.59
